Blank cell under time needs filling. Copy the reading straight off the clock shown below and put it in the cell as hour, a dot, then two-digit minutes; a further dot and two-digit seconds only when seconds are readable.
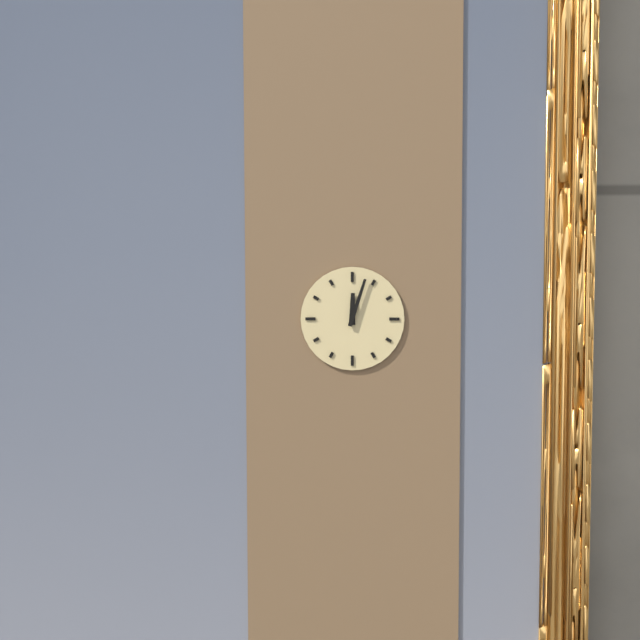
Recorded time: 12.03
